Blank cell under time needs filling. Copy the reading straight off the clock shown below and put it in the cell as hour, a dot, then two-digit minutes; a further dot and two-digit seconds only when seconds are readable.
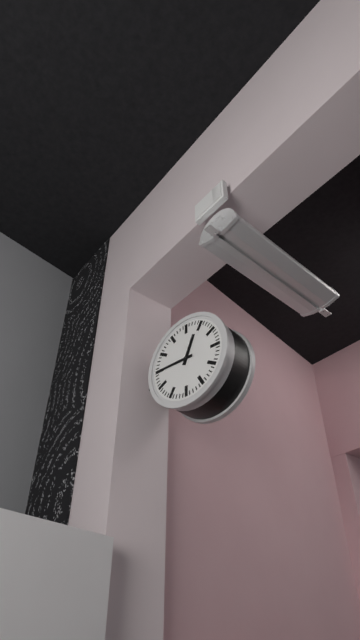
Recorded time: 12.45
